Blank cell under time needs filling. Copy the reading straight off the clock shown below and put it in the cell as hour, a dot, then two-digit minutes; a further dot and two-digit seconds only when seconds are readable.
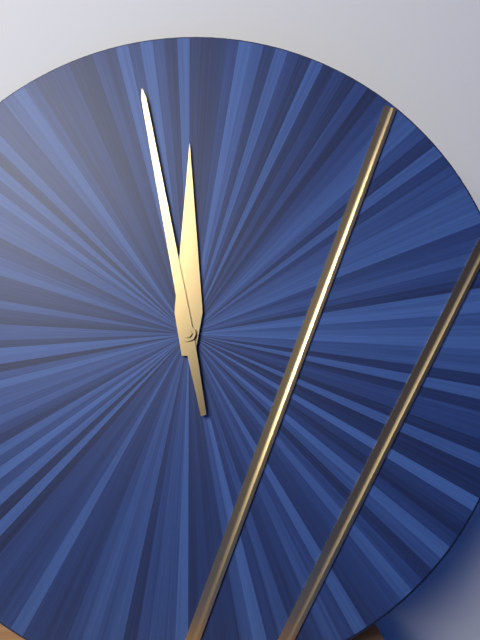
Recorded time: 11.58
